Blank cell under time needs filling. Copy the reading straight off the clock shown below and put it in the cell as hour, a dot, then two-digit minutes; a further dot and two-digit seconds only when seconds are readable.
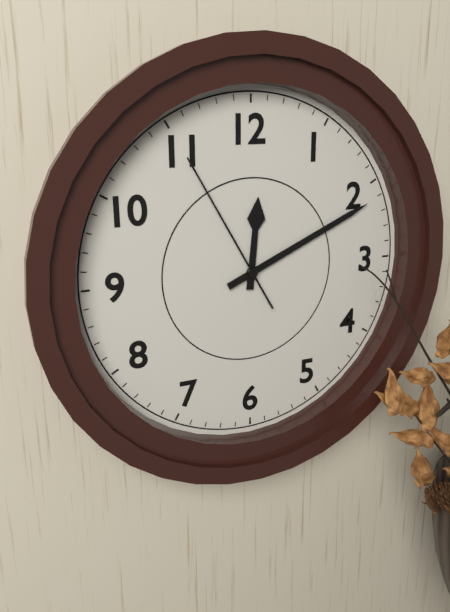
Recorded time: 12.11.55
